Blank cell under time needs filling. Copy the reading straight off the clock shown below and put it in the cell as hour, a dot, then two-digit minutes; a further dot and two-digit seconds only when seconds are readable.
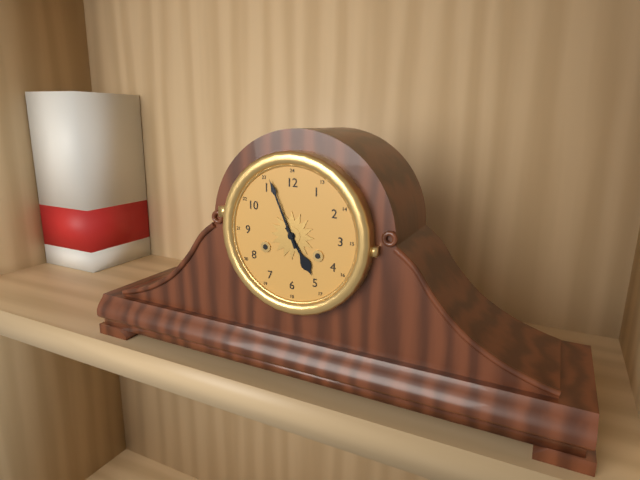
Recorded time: 4.56
